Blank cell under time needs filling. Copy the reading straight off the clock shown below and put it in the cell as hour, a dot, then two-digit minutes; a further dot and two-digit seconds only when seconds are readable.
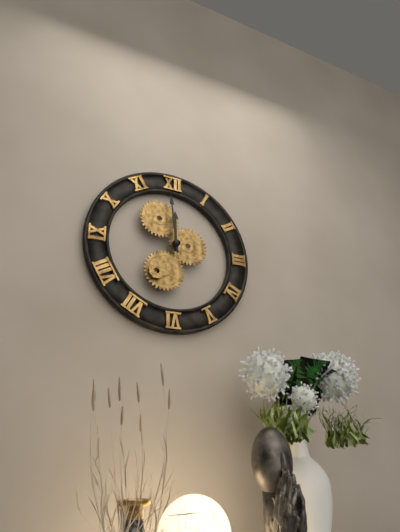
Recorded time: 11.59
